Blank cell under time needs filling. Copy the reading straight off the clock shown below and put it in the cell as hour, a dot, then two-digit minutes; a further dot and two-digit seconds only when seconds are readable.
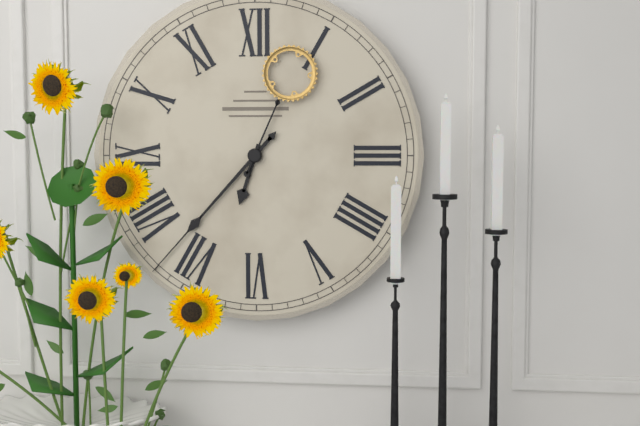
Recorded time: 6.37.04
